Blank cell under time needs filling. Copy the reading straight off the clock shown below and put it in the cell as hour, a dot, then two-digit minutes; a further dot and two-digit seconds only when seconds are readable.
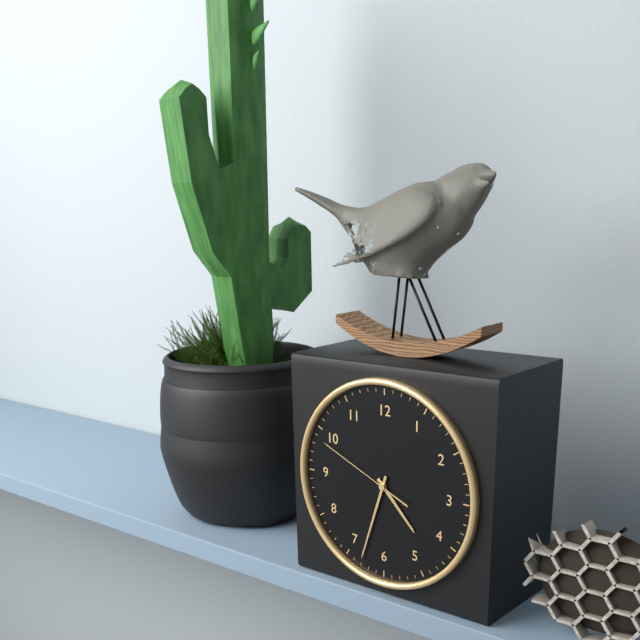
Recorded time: 4.33.49
